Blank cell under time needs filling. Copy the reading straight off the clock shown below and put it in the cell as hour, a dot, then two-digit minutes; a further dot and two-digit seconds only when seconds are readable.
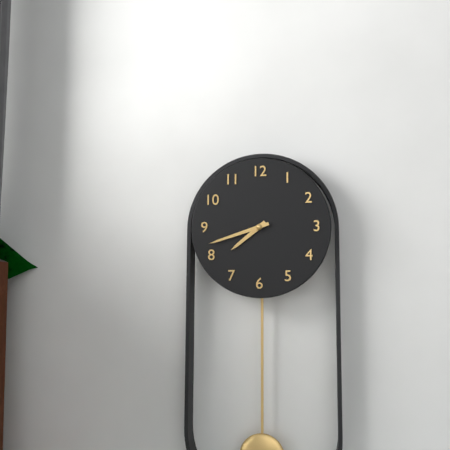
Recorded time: 7.42
